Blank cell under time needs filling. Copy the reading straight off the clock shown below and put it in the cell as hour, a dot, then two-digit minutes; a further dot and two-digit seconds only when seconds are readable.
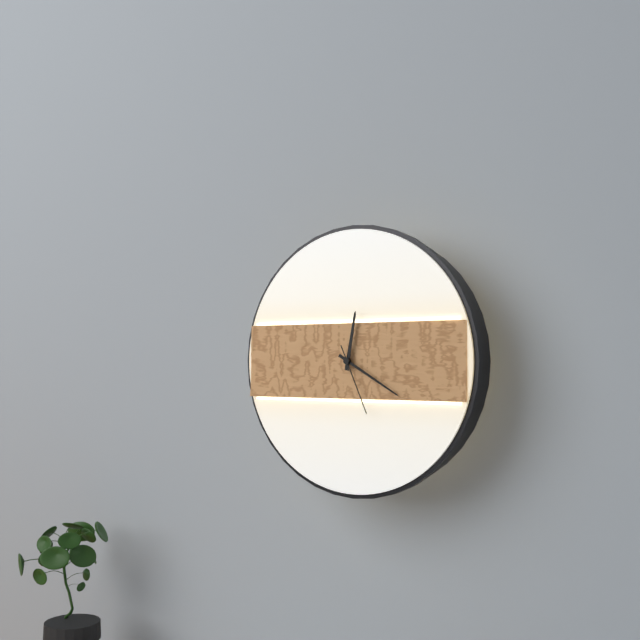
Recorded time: 12.20.26
